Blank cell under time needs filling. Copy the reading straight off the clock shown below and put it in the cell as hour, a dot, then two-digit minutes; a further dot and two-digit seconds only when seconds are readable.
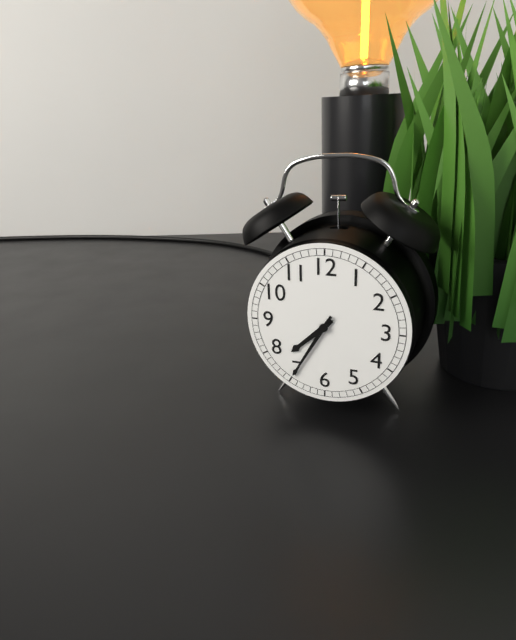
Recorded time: 7.35
